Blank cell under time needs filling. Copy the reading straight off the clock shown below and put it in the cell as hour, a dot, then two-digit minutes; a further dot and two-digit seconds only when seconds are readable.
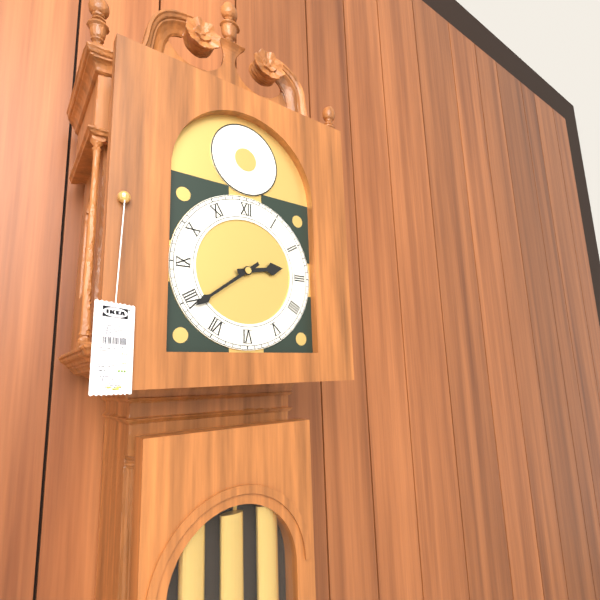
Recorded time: 2.39
